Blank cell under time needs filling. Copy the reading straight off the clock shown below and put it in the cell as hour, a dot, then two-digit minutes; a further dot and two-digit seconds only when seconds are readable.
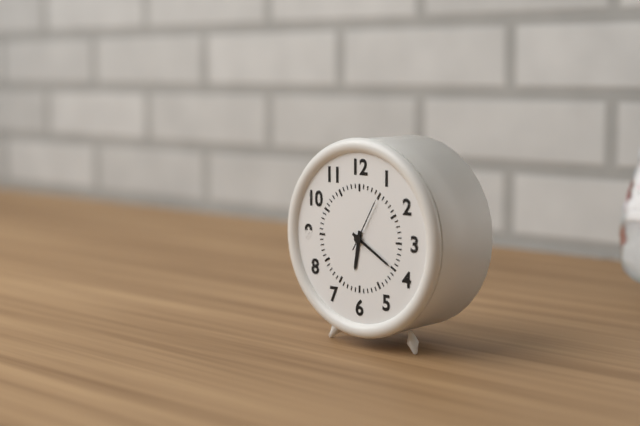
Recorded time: 6.20.05
